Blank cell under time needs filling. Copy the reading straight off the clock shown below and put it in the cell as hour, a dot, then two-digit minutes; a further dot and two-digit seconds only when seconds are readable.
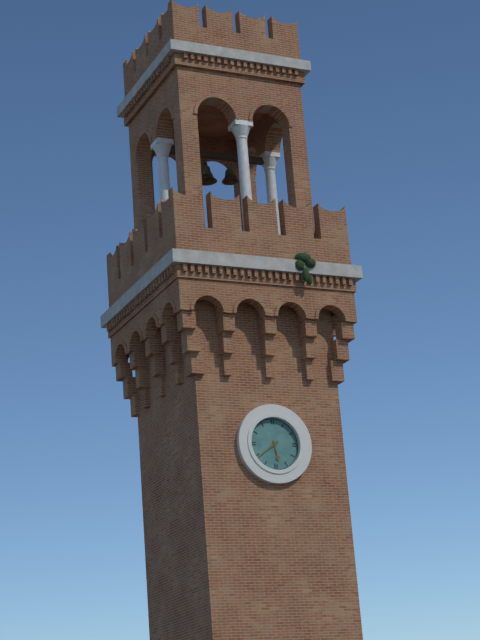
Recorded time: 5.39
